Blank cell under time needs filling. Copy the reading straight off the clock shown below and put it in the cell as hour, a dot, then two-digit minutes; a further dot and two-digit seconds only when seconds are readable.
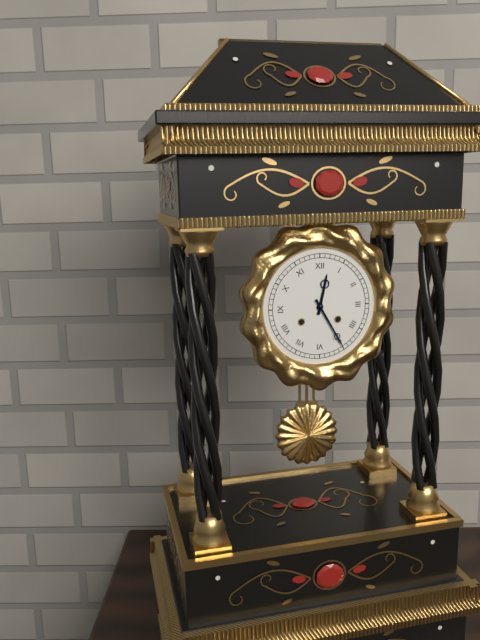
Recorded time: 12.25
